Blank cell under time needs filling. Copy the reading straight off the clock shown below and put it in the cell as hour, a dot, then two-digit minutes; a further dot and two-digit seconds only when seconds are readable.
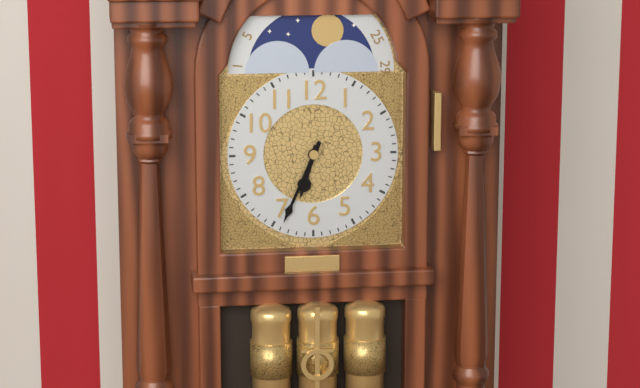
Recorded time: 6.34
